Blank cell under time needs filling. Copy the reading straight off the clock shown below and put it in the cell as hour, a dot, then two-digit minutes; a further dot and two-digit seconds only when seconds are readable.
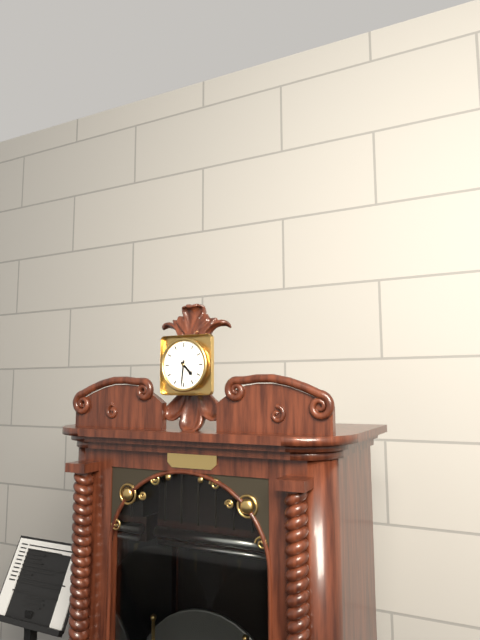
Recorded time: 4.31
